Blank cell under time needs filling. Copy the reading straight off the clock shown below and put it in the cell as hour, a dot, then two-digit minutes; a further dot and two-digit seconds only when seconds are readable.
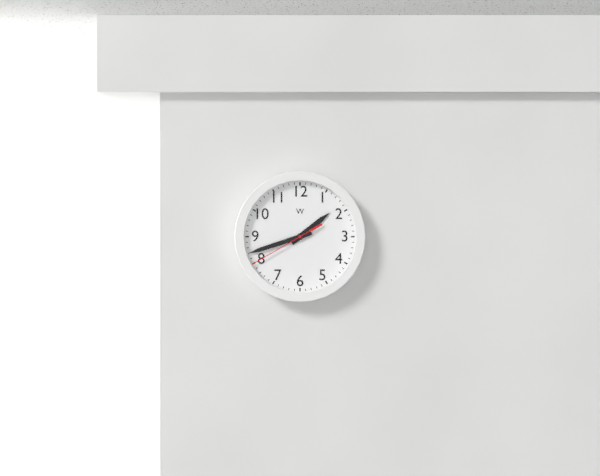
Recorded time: 1.42.40
